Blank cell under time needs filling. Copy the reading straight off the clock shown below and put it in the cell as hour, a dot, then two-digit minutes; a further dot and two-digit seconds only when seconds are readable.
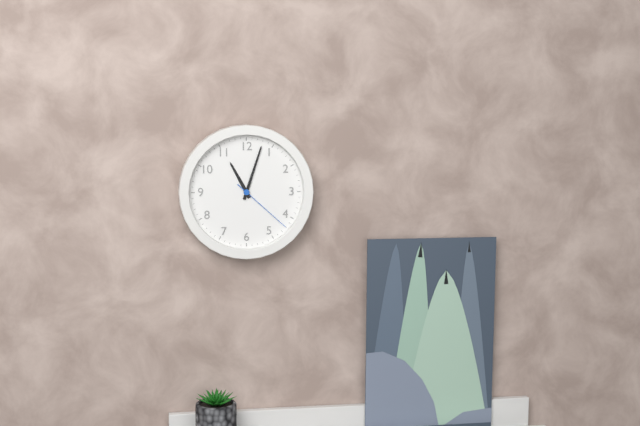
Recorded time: 11.03.22
